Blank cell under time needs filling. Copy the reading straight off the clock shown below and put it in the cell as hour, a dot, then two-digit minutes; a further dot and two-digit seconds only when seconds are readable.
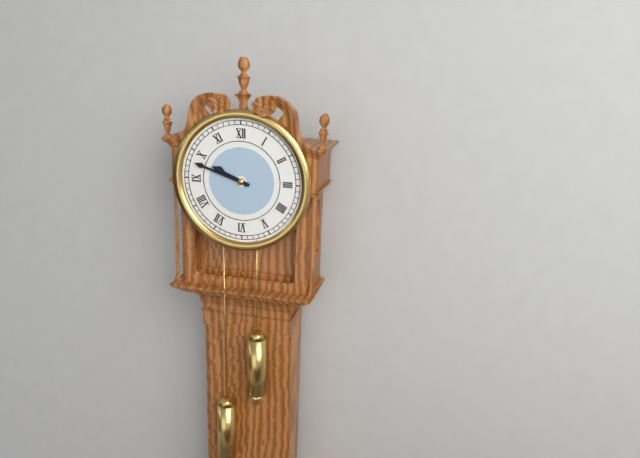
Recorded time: 9.48
